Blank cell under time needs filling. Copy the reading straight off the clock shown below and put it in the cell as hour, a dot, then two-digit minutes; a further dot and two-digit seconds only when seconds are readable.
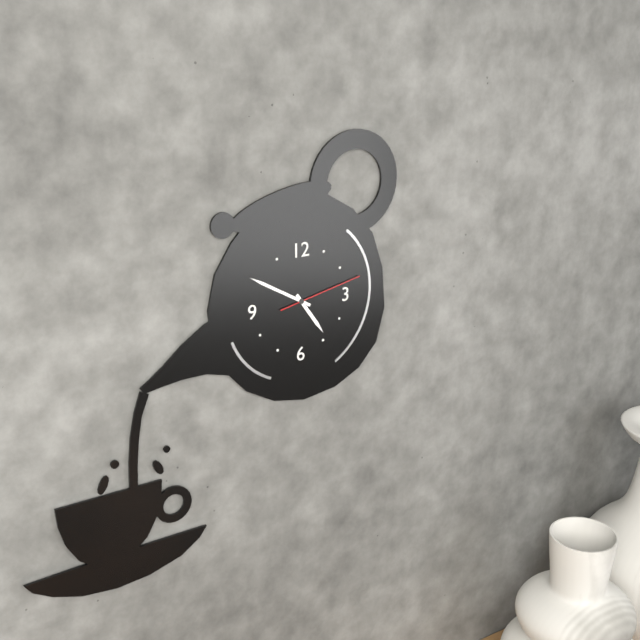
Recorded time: 4.50.13
